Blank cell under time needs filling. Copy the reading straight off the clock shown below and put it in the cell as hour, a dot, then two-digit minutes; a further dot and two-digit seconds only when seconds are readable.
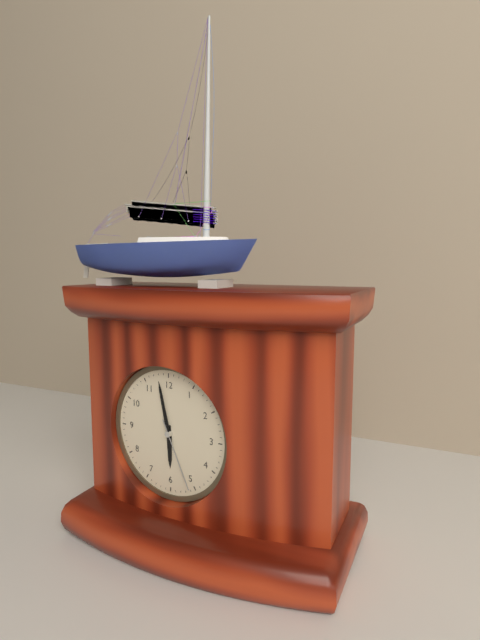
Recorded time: 5.58.26
